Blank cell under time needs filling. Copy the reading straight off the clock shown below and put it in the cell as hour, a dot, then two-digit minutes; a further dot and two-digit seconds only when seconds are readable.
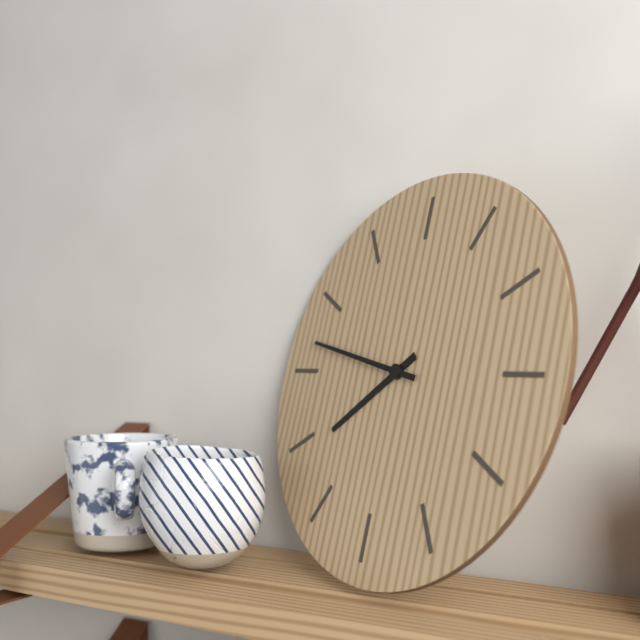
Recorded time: 7.47
